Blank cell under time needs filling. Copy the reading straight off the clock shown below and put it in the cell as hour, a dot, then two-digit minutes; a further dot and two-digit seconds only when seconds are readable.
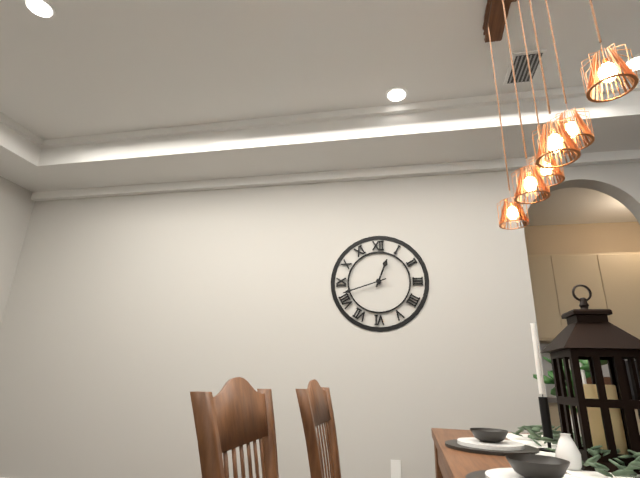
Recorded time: 12.42
